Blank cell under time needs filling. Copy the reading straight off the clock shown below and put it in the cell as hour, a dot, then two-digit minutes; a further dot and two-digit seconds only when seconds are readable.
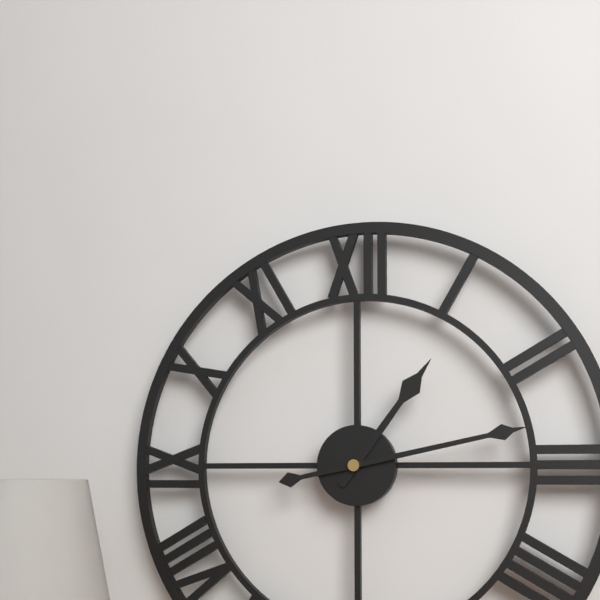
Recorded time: 1.13
